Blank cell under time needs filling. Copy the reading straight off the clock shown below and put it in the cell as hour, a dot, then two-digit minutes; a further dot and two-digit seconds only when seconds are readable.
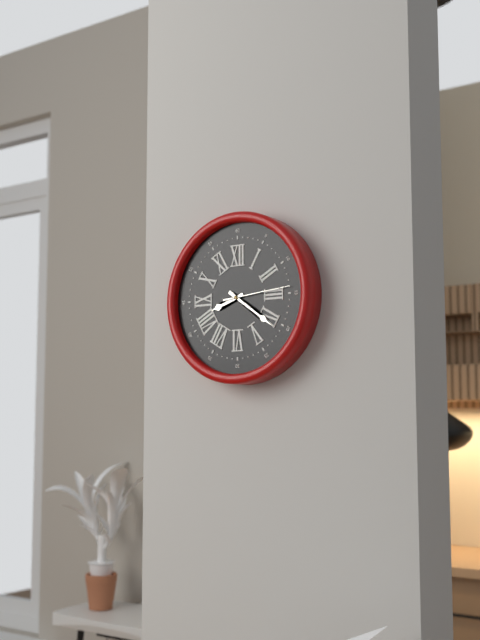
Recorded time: 8.21.14
